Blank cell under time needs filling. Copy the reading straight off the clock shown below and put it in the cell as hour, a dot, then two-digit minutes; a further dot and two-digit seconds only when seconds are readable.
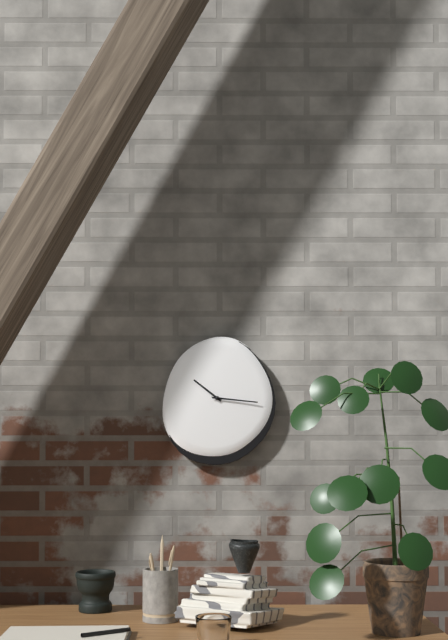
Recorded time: 10.16
